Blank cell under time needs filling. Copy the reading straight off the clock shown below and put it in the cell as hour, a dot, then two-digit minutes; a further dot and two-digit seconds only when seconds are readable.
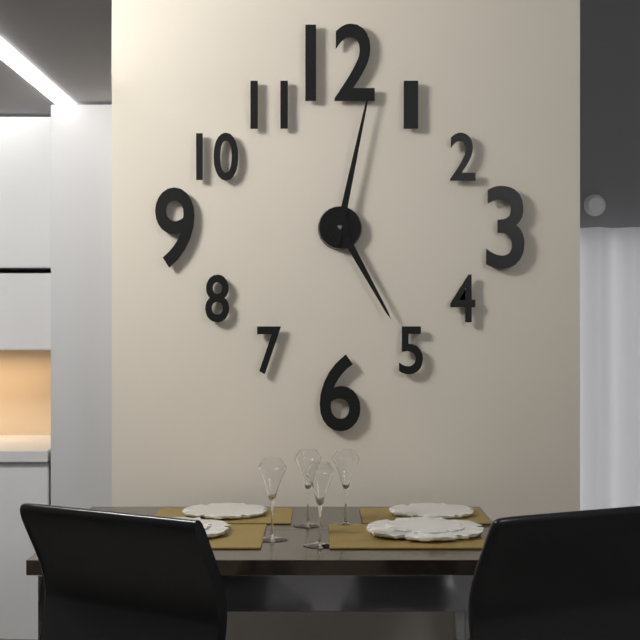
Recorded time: 5.02
